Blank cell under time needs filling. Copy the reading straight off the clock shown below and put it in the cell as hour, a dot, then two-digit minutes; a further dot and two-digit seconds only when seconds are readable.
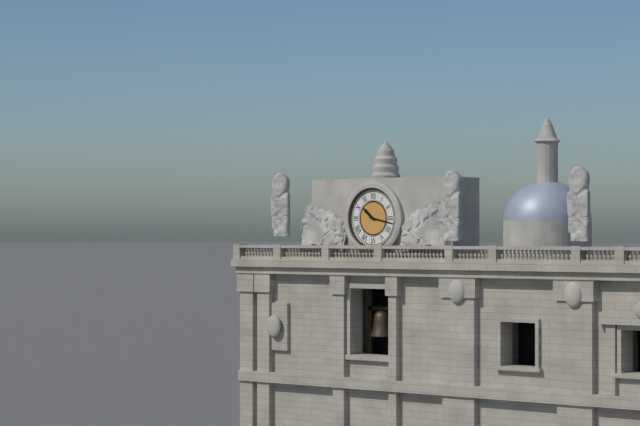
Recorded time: 10.17
